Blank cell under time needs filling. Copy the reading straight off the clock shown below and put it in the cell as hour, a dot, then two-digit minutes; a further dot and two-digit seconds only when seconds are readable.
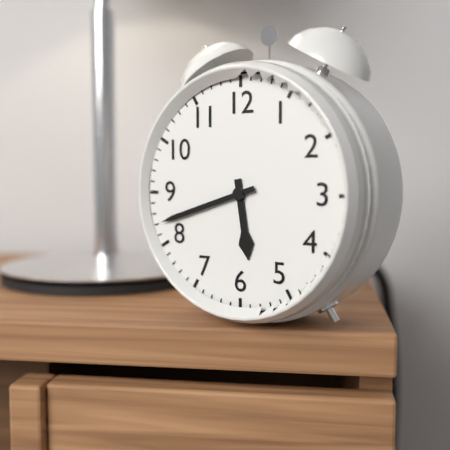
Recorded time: 5.42
